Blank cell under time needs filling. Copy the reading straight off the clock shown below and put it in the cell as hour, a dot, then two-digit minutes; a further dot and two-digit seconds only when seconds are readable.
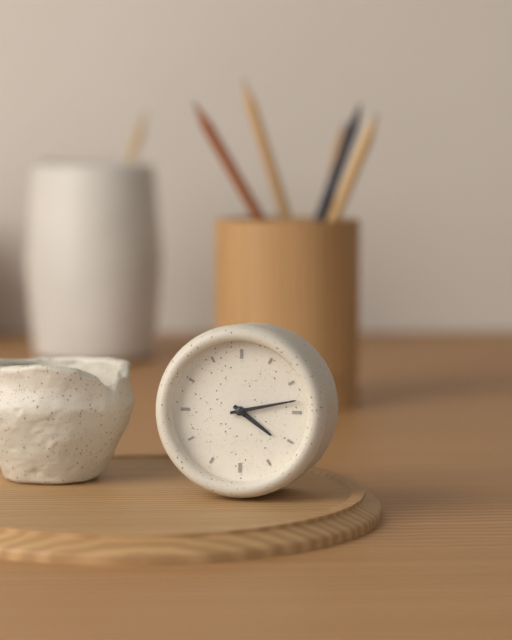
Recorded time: 4.13
